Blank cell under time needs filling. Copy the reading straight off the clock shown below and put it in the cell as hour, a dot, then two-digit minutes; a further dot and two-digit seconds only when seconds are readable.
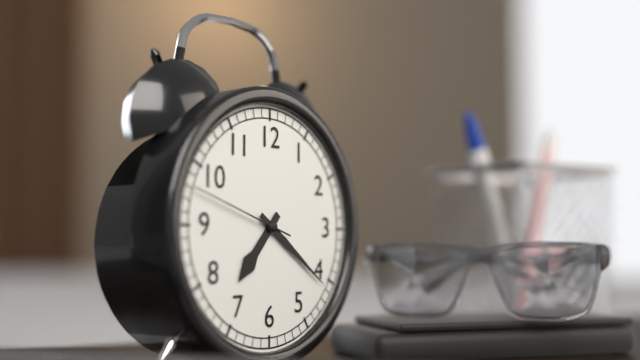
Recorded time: 7.21.48
